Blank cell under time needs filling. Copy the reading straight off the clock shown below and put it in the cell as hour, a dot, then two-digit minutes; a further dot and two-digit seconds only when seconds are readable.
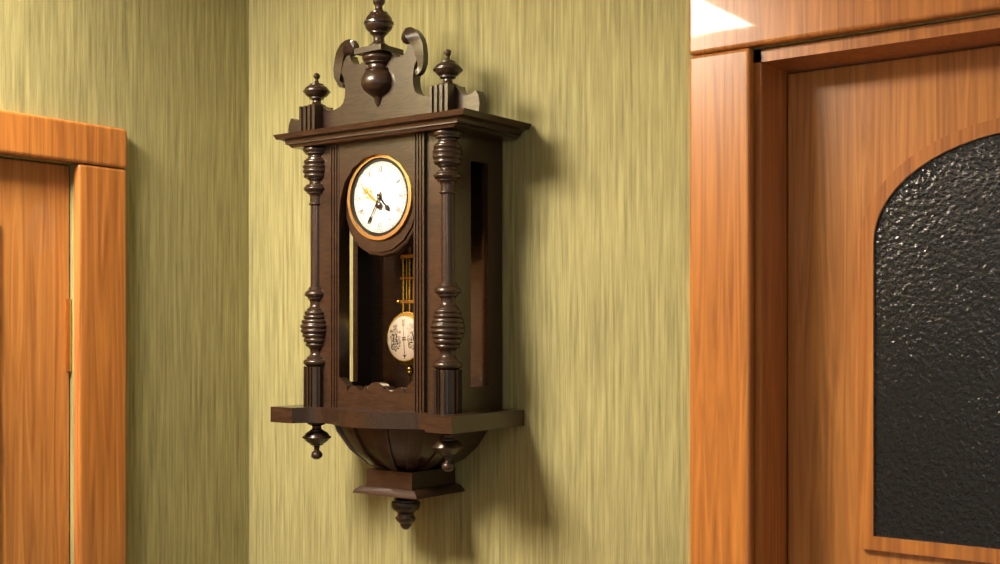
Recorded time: 4.35
